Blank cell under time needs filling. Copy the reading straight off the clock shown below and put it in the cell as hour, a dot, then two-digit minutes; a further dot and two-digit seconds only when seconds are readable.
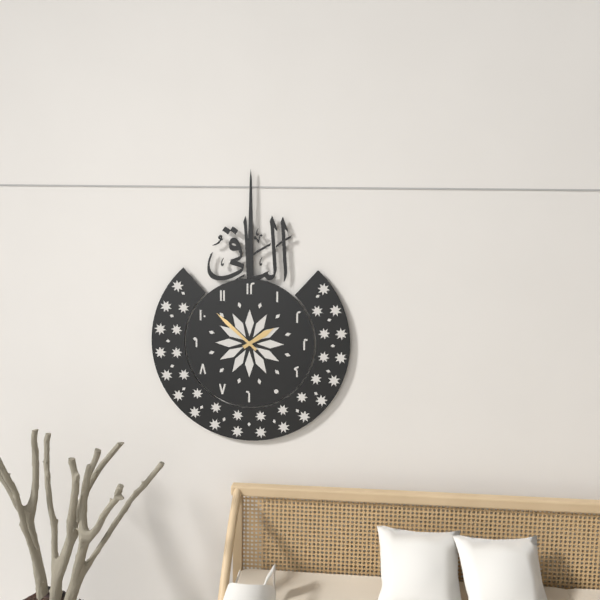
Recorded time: 1.52
